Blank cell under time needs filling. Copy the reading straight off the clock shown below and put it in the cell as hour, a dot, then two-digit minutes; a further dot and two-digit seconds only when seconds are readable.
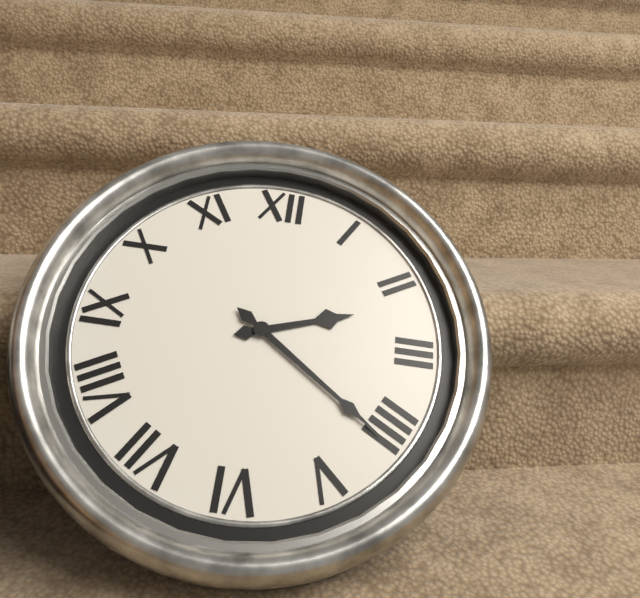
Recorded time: 2.21
